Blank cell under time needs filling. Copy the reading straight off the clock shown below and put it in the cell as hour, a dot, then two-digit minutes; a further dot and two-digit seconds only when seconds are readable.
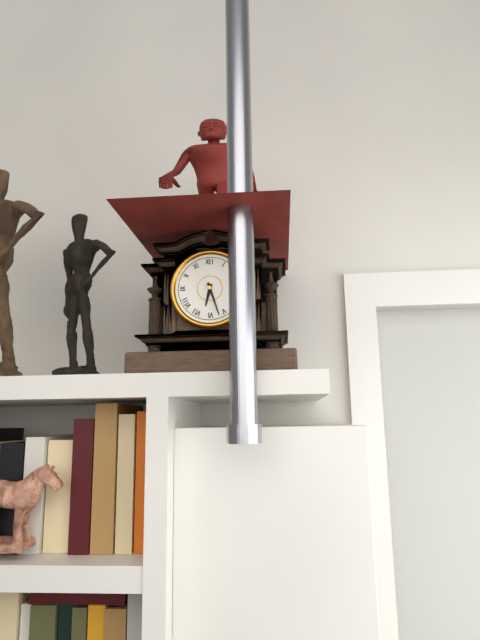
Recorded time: 6.27
